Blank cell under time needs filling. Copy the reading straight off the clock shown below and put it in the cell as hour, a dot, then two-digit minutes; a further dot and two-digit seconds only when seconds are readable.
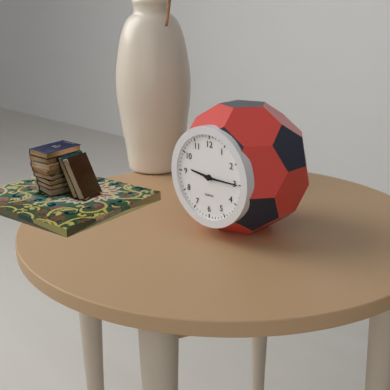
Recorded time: 9.15
